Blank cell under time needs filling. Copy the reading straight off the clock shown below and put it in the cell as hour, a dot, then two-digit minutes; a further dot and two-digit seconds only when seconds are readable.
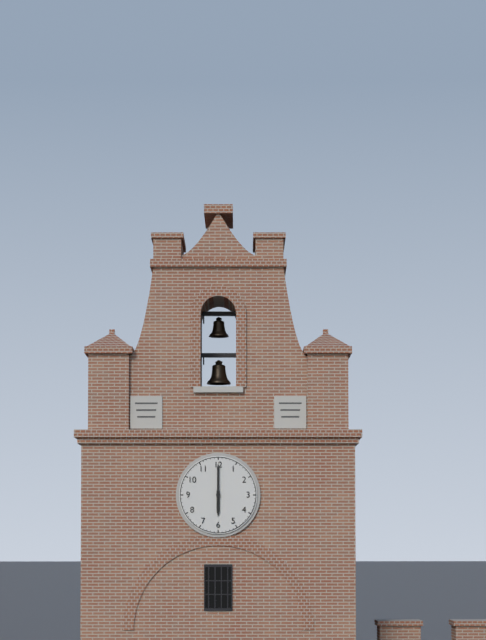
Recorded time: 6.00
